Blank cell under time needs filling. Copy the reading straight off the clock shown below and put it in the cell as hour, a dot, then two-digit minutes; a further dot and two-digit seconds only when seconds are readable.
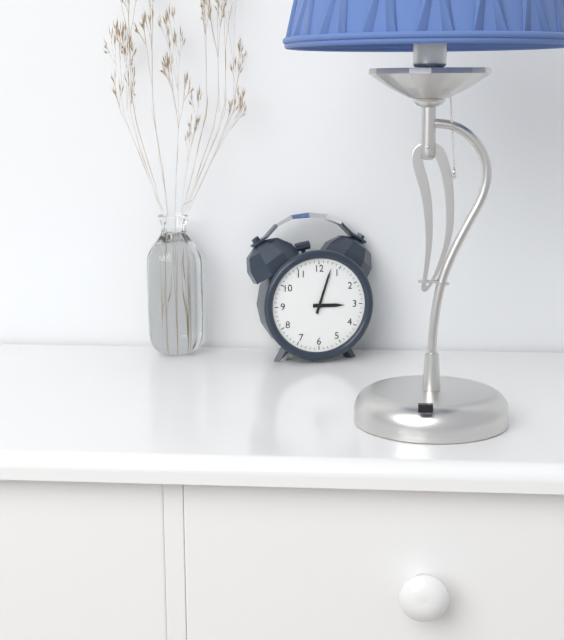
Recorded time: 3.03
